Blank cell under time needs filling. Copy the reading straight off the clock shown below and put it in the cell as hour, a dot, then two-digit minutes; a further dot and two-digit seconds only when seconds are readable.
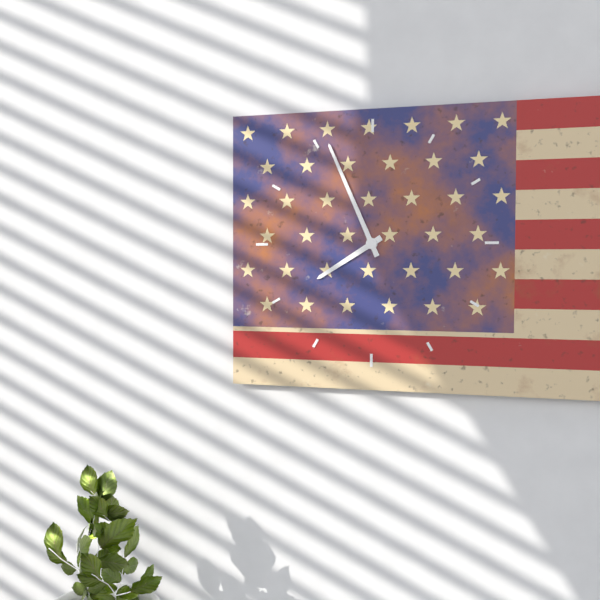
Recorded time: 7.56
